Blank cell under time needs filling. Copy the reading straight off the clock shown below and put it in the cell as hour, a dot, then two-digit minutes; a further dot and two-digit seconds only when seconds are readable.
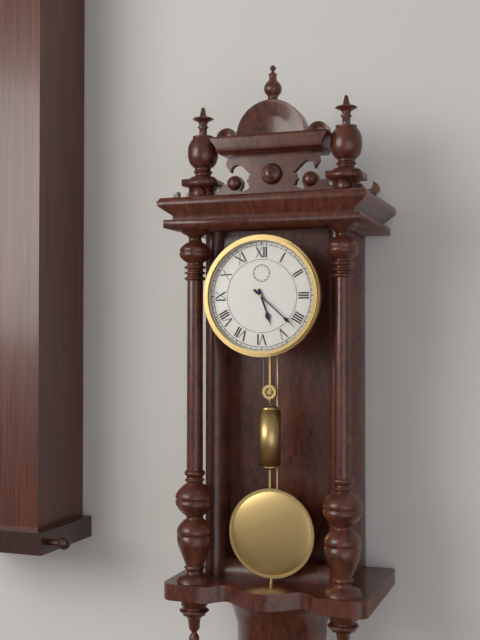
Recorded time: 5.22
